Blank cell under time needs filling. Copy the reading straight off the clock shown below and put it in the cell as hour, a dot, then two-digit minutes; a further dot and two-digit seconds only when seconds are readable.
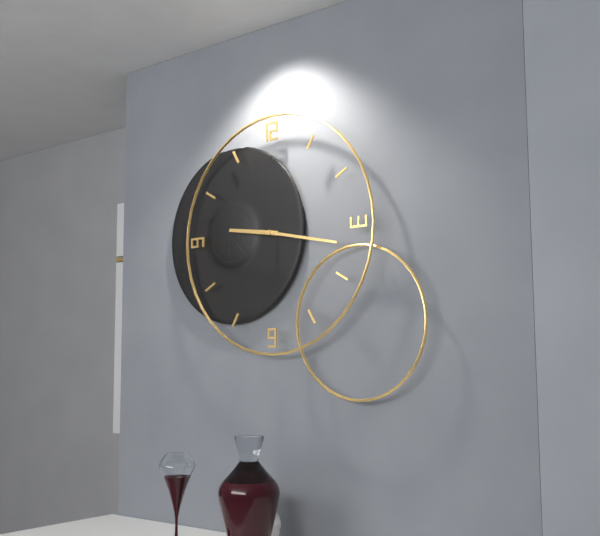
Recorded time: 9.17
